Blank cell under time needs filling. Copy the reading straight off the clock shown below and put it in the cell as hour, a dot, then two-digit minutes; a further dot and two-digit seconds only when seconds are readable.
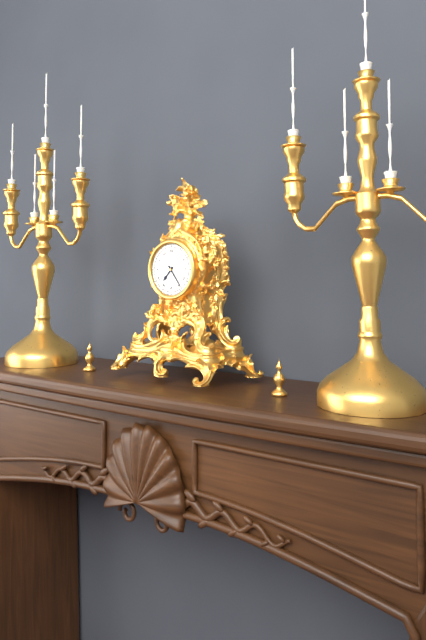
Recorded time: 7.24
